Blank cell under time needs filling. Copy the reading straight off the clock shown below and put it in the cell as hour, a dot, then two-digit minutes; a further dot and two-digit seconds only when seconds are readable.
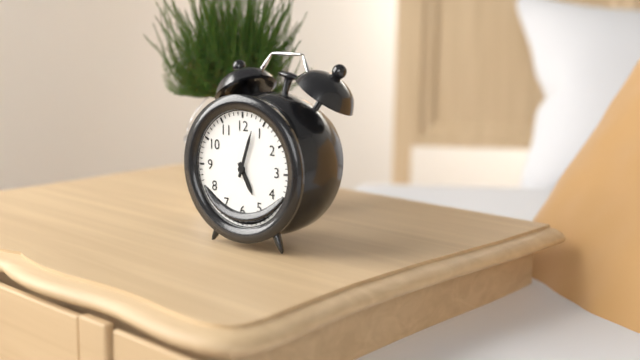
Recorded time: 5.03
